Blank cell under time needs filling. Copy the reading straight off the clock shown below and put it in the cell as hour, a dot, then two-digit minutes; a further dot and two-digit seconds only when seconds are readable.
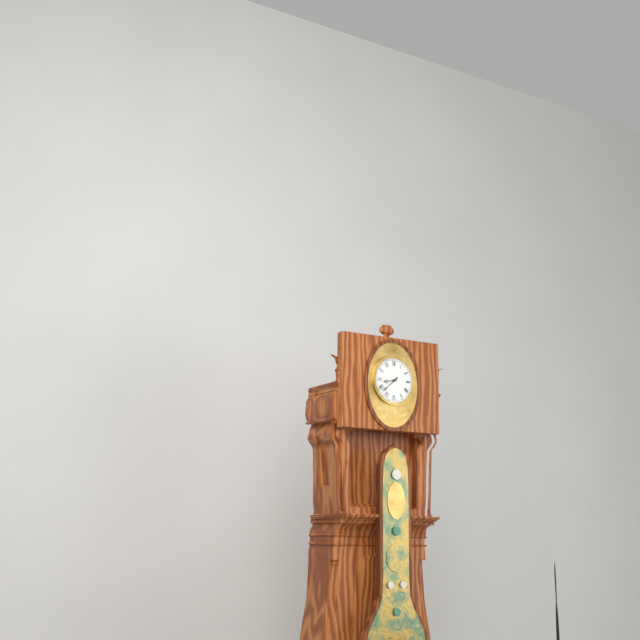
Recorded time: 8.38
